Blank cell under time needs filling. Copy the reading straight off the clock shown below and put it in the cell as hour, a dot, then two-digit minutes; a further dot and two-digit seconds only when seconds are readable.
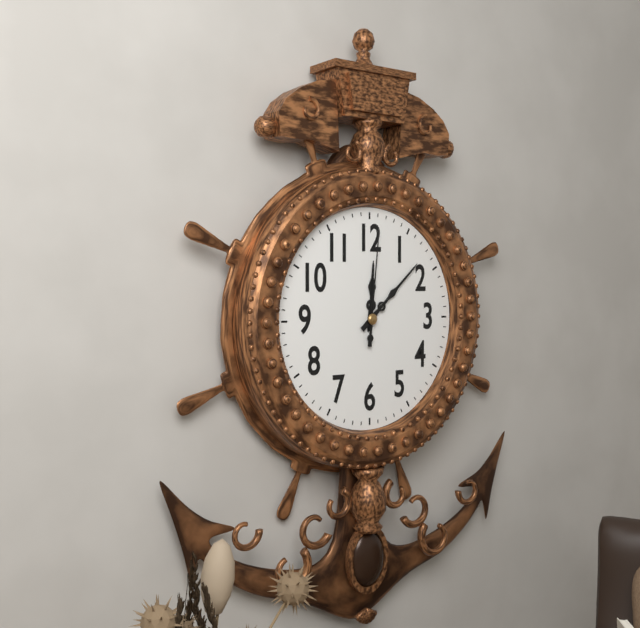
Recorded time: 12.08.01
